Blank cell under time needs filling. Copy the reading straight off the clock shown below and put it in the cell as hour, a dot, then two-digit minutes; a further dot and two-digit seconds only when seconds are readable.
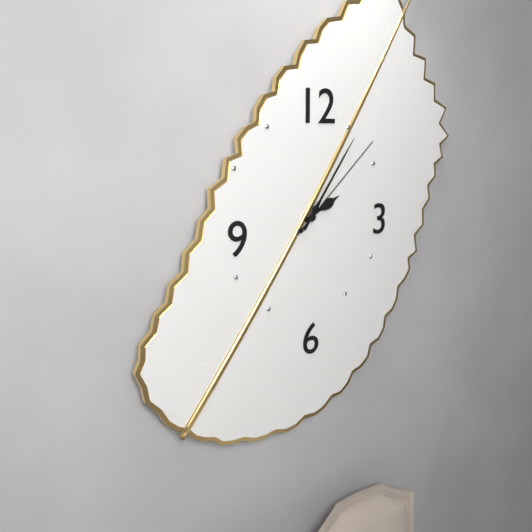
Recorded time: 2.06.08
